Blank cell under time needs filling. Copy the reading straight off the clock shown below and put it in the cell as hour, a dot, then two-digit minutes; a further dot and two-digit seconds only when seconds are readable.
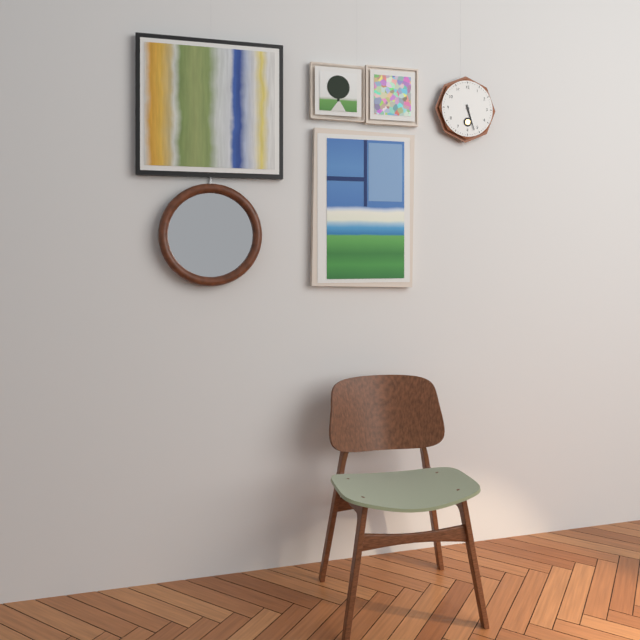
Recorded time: 5.27
